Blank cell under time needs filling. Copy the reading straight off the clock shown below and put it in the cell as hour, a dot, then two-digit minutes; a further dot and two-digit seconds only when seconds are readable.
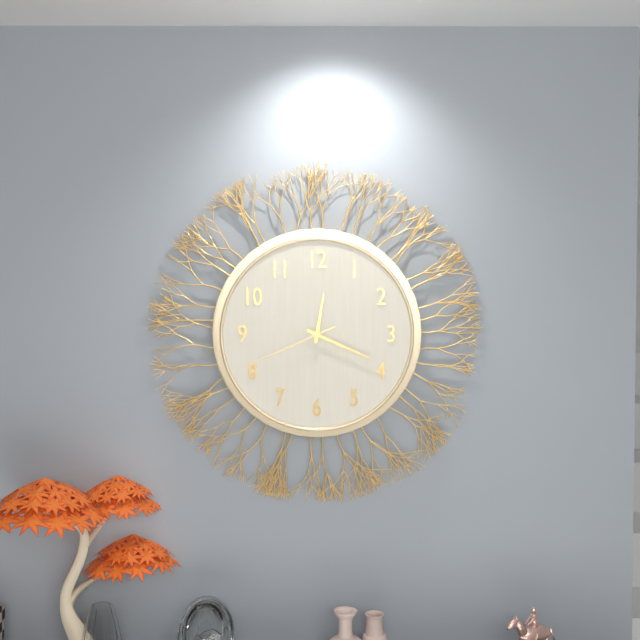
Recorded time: 12.19.41
